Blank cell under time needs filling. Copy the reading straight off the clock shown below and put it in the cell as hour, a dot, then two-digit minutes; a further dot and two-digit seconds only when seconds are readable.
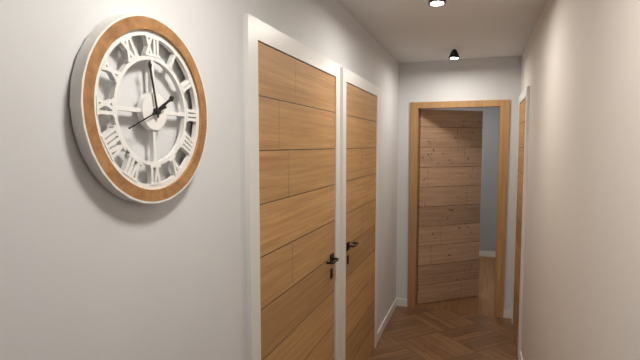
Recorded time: 1.58
